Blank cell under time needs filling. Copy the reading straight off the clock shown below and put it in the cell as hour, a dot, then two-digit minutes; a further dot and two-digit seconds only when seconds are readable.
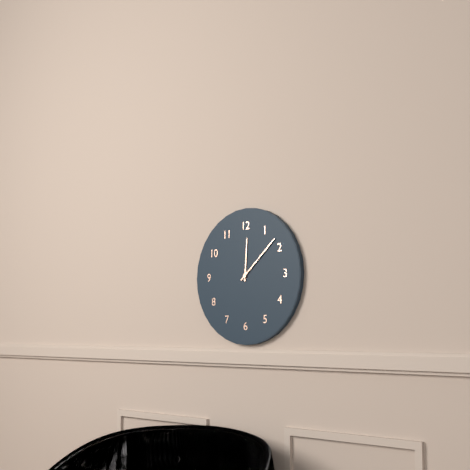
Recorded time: 12.08
